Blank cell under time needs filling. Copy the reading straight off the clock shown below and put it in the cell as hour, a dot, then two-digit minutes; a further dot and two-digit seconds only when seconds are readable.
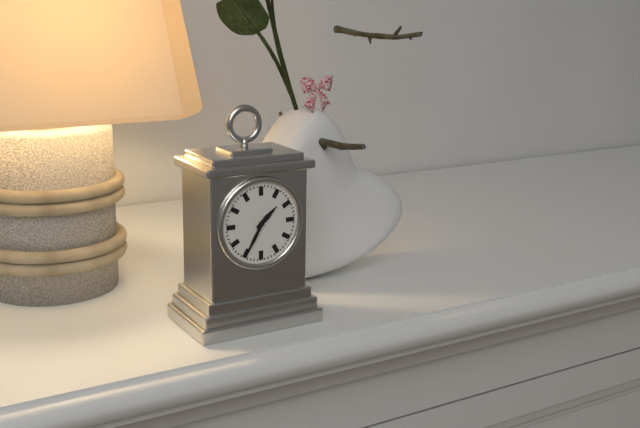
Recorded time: 1.35
